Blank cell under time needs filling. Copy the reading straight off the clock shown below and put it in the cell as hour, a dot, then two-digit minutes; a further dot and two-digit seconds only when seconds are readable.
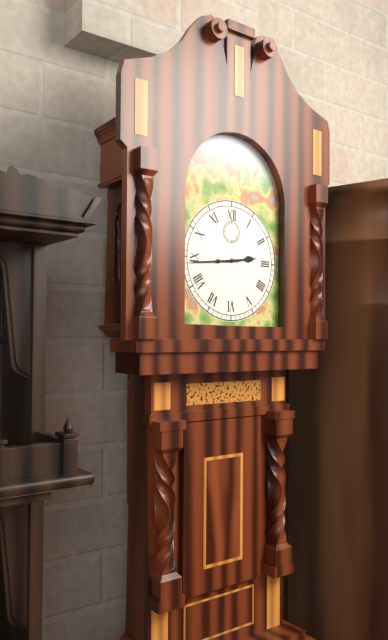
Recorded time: 2.44
